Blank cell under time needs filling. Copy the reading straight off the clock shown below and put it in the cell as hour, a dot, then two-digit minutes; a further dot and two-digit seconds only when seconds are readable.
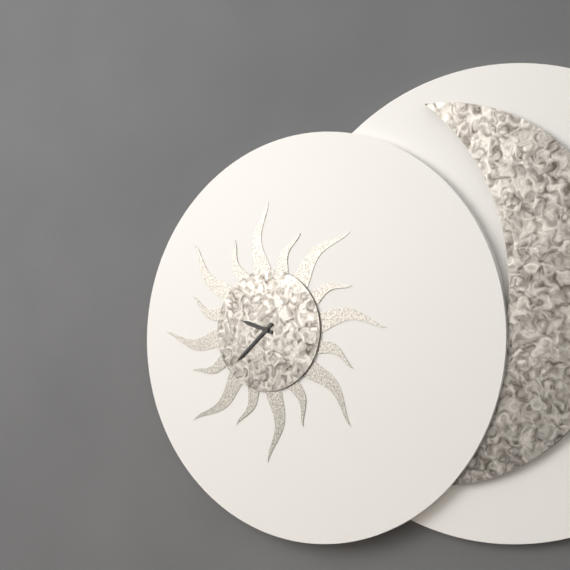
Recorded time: 9.38
